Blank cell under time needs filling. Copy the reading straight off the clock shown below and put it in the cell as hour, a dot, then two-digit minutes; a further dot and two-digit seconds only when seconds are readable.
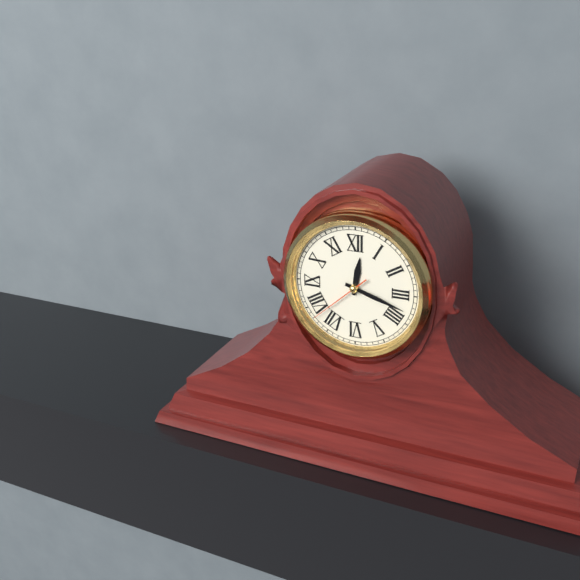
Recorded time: 12.18.38
